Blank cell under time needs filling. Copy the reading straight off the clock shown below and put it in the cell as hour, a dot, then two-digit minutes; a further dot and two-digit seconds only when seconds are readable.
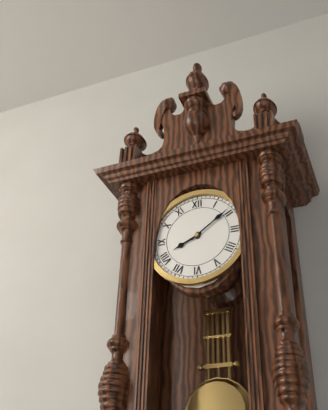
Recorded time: 8.09
